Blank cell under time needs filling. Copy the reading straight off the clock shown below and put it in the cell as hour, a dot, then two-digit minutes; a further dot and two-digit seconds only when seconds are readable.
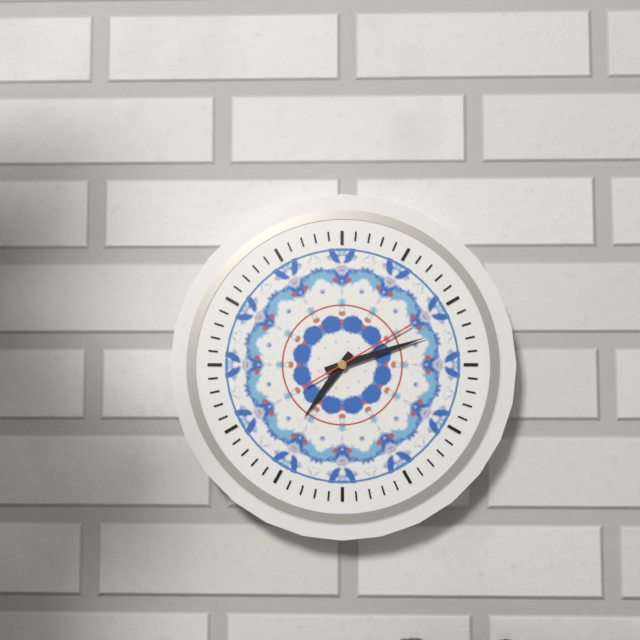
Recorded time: 7.12.10
